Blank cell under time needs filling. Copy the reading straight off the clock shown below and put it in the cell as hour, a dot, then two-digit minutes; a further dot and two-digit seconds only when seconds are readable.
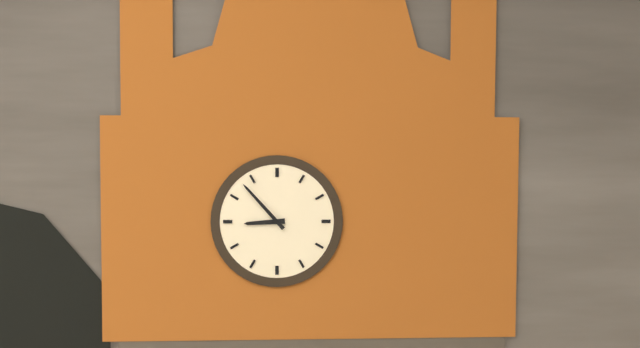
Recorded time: 8.53
